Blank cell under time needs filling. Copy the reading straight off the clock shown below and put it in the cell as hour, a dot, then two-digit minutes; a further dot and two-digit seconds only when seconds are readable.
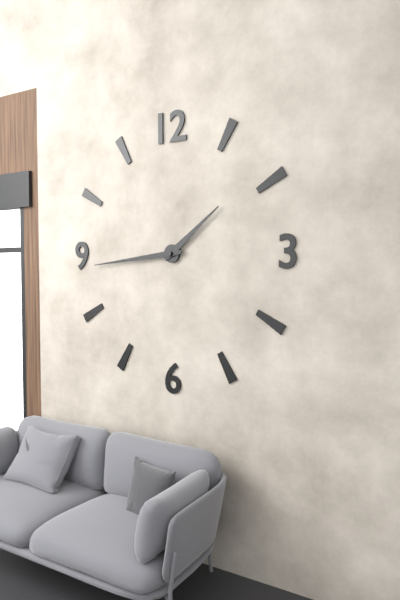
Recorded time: 1.44
